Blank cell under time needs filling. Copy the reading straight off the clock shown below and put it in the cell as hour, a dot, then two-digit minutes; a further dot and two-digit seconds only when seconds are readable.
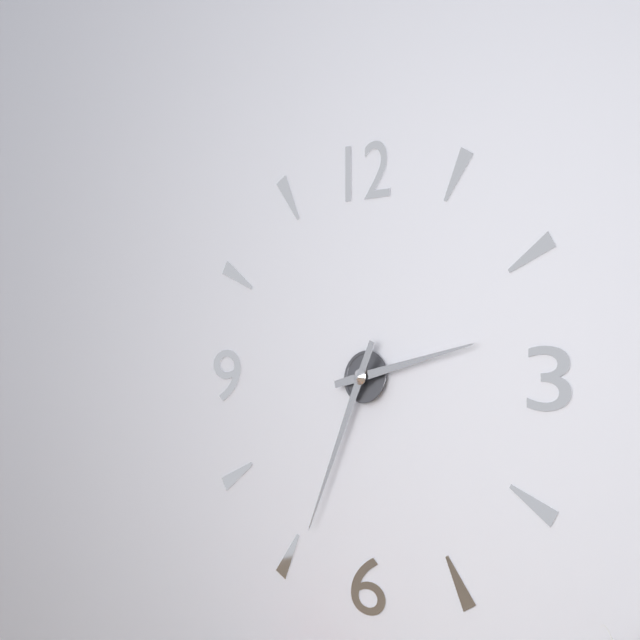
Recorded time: 2.34
